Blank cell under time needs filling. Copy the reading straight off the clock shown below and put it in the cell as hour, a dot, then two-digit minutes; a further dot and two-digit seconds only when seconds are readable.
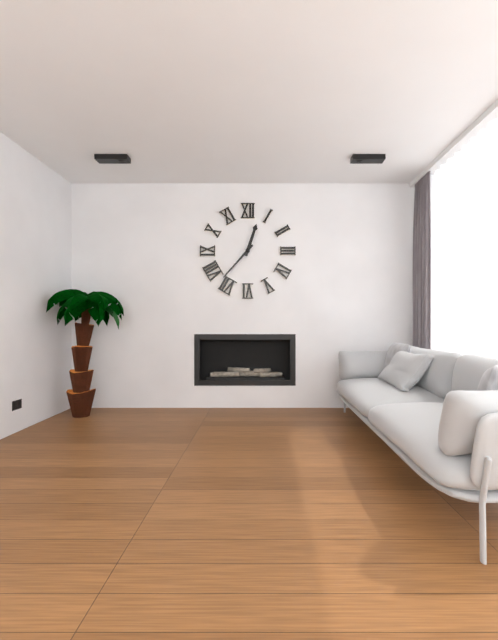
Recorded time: 12.37
